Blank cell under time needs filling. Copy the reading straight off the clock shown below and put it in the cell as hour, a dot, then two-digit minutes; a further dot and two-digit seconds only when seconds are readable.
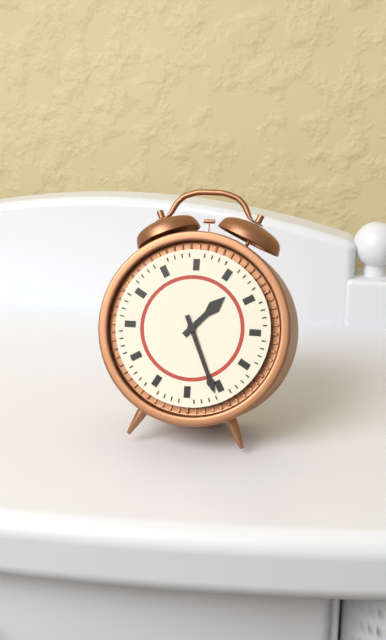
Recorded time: 1.26
